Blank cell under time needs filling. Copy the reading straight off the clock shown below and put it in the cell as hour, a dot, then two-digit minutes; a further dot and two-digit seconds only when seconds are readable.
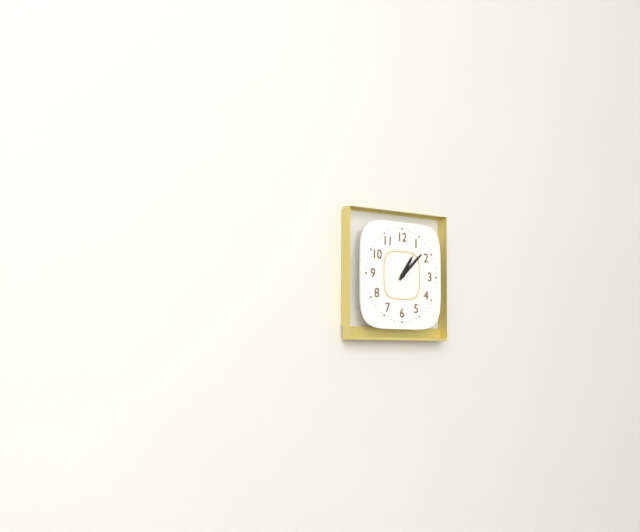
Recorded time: 1.08
